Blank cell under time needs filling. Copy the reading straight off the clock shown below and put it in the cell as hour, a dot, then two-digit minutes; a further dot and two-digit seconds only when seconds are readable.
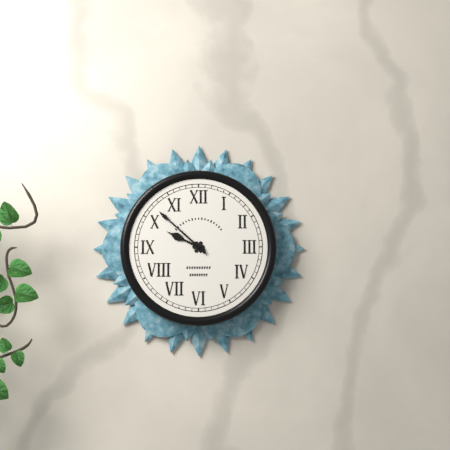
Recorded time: 9.52
